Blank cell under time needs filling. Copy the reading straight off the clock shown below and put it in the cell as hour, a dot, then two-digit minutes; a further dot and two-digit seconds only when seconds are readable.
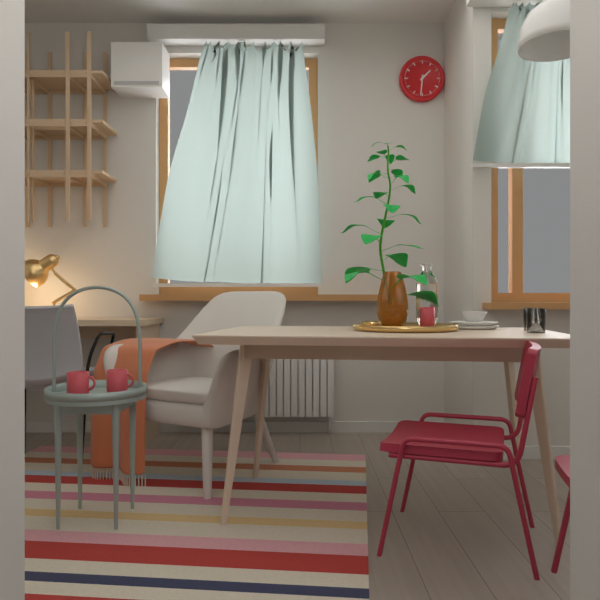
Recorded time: 1.31
